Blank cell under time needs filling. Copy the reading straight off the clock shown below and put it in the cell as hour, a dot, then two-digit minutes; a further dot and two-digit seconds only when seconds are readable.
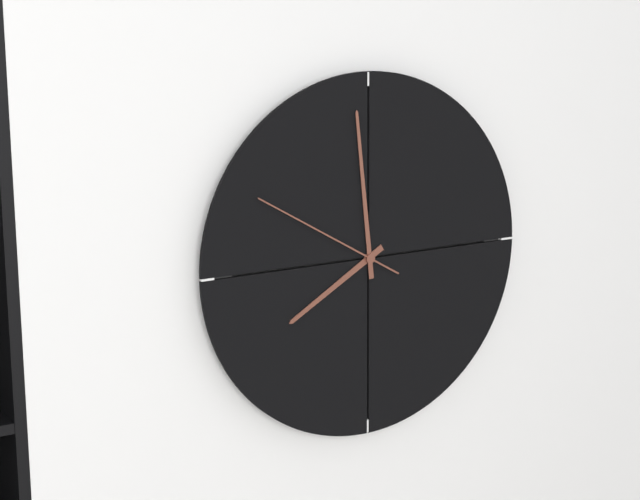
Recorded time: 7.59.50
